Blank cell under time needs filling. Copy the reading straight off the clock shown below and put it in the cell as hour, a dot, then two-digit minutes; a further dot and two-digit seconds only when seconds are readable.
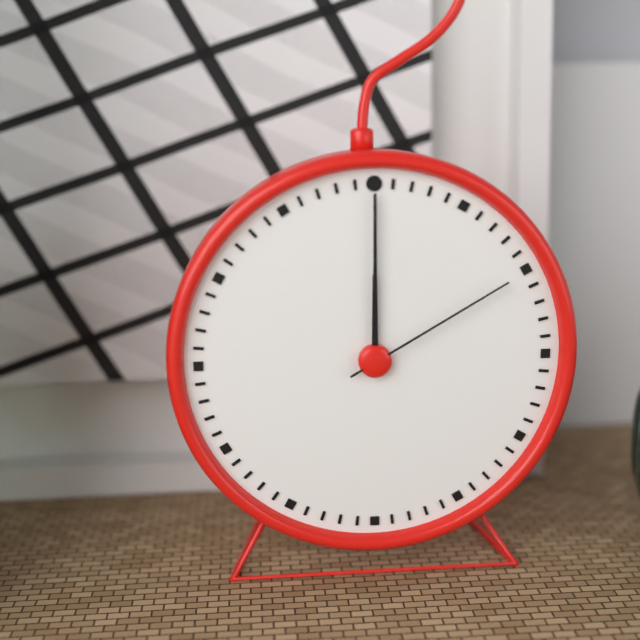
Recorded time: 12.00.10
